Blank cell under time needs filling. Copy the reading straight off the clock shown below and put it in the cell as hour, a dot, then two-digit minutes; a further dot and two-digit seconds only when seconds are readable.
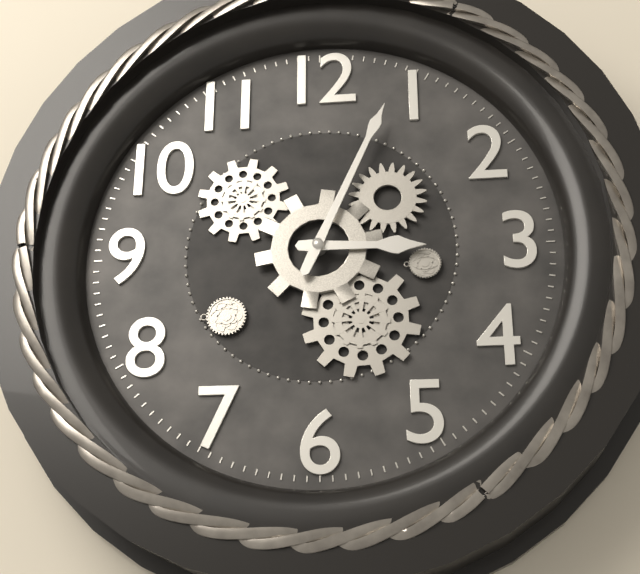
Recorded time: 3.04
